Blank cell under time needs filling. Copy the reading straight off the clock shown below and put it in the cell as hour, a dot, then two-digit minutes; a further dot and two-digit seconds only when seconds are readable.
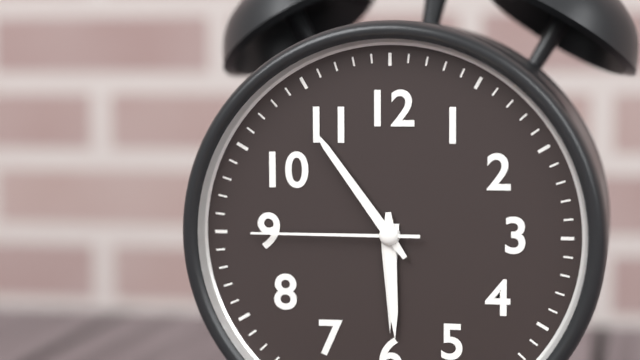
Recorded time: 5.54.45
